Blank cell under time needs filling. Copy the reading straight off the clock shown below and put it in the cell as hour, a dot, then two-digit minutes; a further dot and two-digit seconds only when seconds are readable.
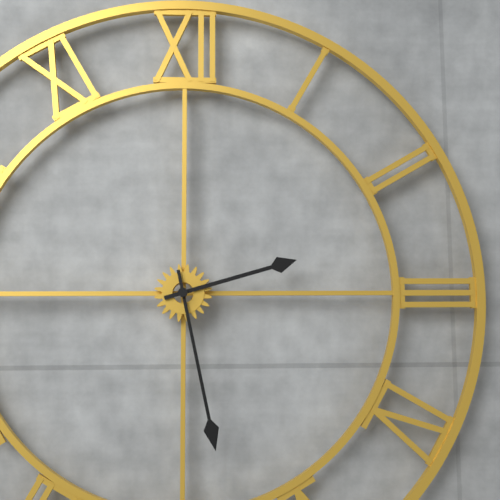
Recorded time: 2.28
